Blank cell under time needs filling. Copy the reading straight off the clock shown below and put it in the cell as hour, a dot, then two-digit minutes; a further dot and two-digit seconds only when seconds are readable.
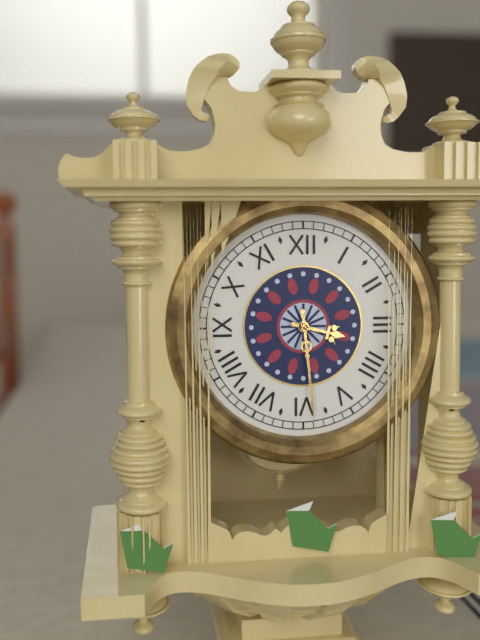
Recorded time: 3.29
